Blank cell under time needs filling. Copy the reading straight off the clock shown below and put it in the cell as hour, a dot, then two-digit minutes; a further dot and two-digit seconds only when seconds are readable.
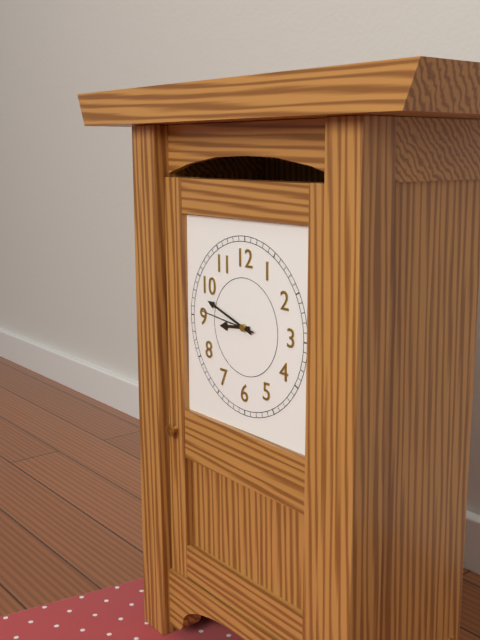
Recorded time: 8.48.46
